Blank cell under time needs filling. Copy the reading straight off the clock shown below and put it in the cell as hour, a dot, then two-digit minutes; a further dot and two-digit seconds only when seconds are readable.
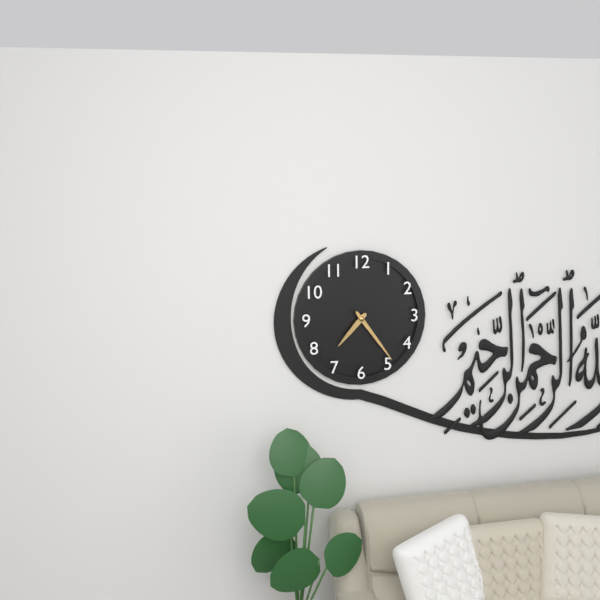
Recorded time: 7.24
